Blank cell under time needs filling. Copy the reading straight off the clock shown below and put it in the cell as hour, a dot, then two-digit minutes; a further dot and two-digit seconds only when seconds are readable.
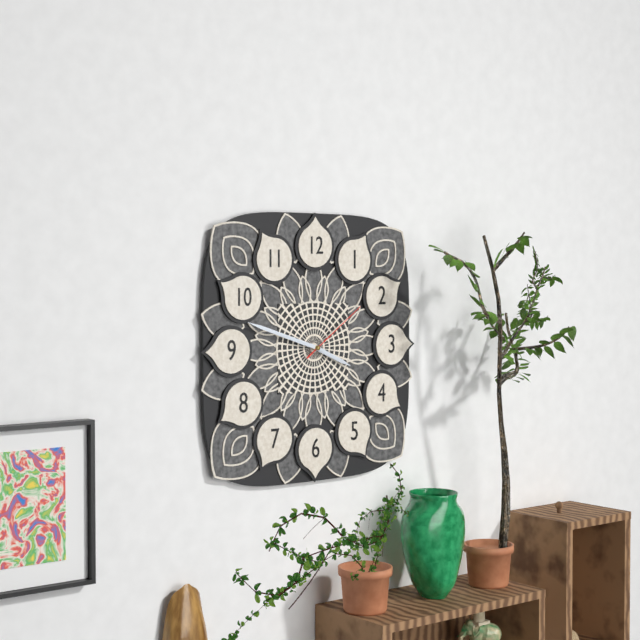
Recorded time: 3.48.09
